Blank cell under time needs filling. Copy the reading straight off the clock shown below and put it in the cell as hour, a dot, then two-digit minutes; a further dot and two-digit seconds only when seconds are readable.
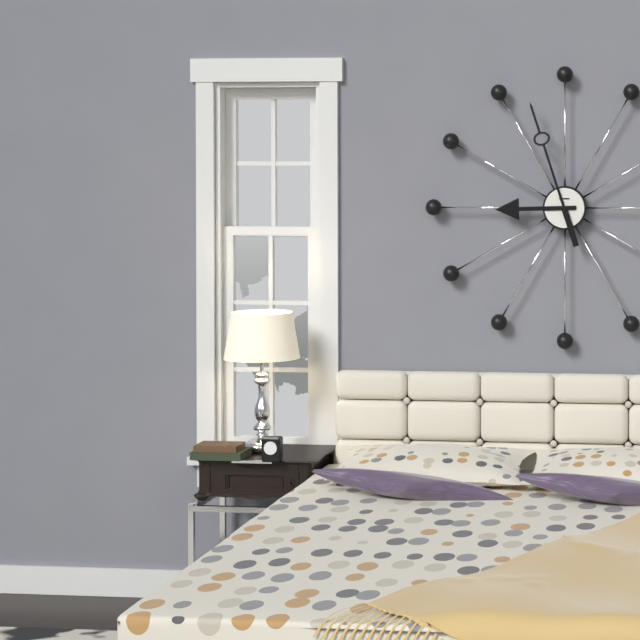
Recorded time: 8.57
